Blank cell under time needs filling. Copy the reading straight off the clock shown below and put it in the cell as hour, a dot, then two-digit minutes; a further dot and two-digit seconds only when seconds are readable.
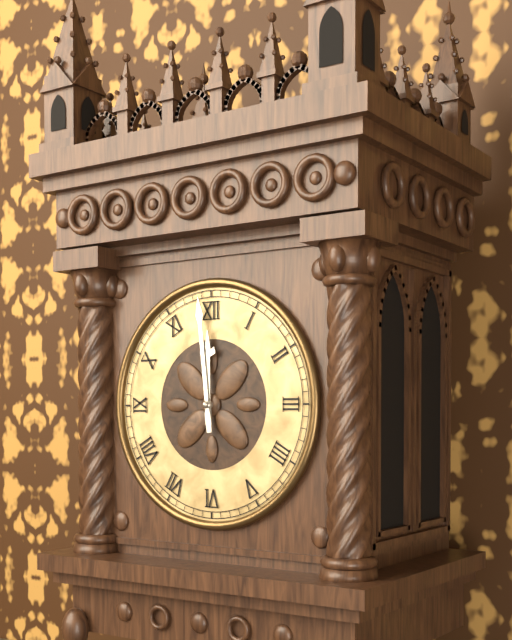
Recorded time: 11.59
